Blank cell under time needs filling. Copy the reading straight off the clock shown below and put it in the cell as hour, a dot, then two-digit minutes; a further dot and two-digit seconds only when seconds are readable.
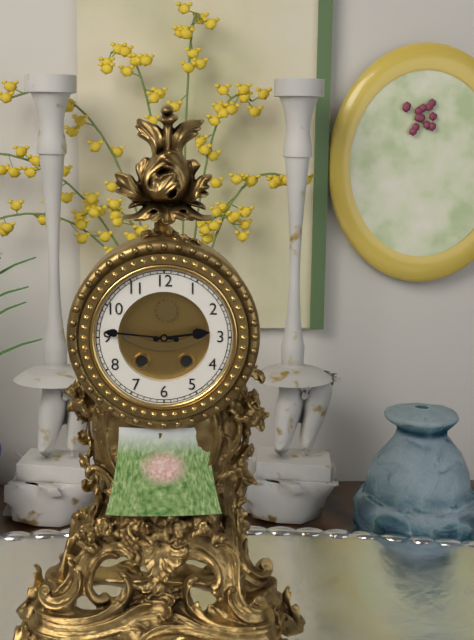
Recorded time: 2.46
